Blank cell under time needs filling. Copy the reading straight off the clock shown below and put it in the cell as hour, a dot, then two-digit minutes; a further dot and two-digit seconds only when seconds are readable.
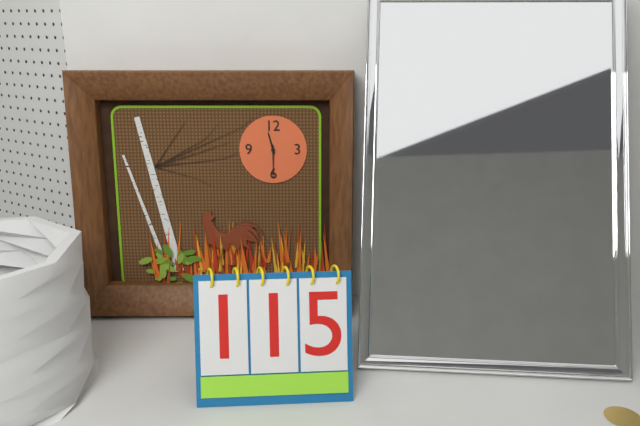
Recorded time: 11.30
